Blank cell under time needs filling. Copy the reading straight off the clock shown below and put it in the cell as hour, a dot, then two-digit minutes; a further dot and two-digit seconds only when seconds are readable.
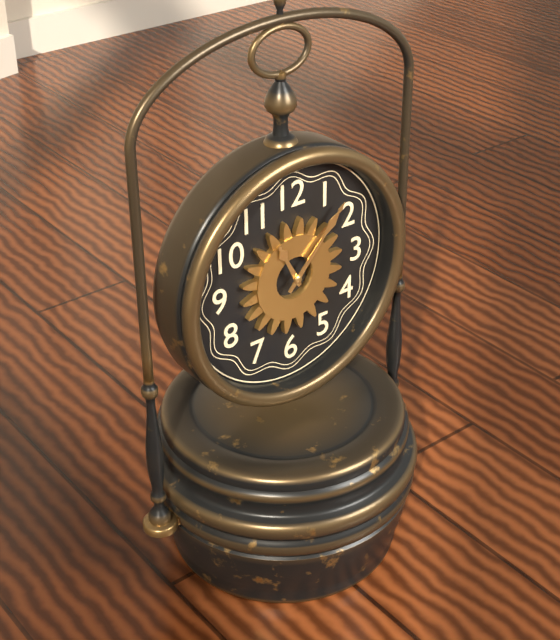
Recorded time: 11.07
